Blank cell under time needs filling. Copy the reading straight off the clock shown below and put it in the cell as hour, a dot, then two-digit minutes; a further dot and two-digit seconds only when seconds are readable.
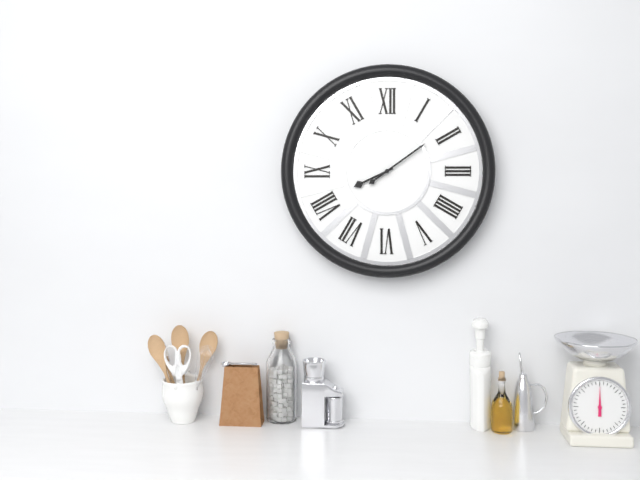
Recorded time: 8.09
